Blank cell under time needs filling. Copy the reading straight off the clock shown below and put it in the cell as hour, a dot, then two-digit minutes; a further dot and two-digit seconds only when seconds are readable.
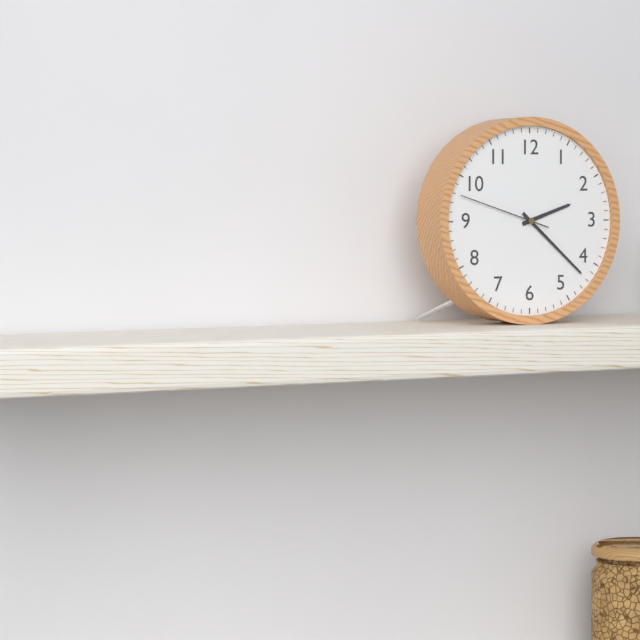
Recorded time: 2.22.48
